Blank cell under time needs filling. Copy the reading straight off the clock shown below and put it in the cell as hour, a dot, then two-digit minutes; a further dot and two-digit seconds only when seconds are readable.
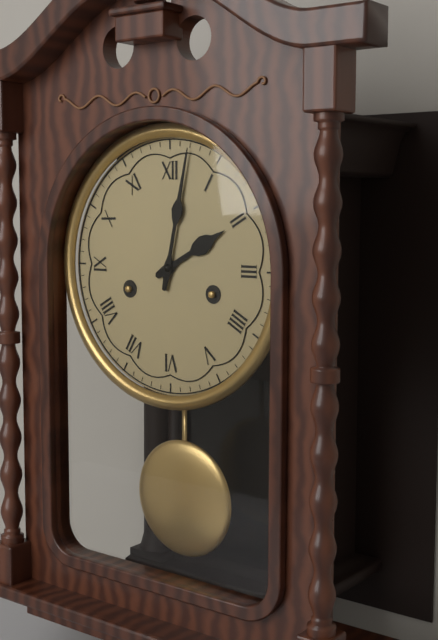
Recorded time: 2.02
